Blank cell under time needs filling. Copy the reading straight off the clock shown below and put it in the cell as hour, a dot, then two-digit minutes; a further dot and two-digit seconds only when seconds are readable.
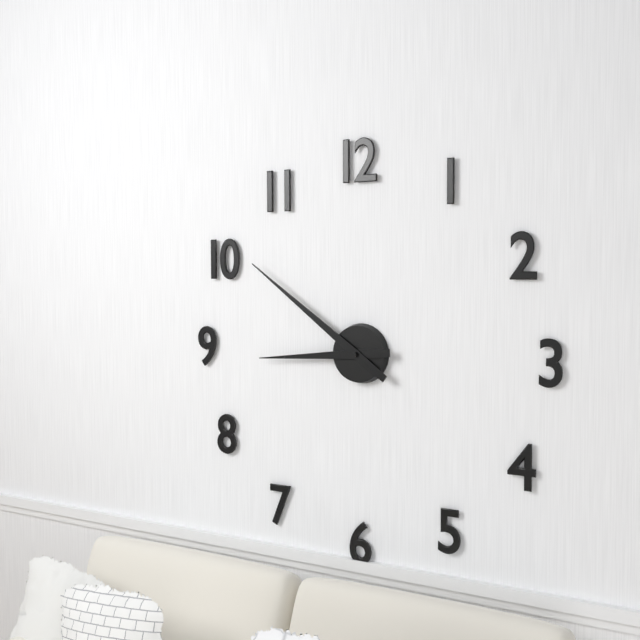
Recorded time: 8.51
